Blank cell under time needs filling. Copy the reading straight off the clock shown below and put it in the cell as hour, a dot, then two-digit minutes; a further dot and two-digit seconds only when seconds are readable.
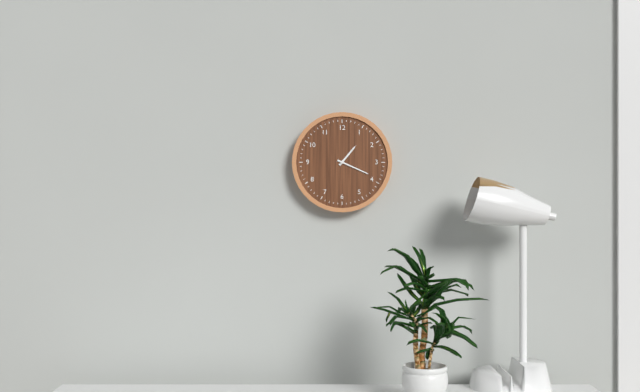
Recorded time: 1.19
